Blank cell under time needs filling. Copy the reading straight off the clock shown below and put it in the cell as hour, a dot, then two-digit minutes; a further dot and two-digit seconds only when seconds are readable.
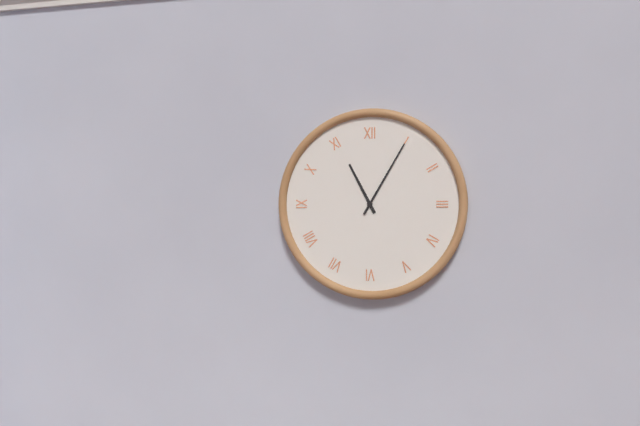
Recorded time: 11.05
